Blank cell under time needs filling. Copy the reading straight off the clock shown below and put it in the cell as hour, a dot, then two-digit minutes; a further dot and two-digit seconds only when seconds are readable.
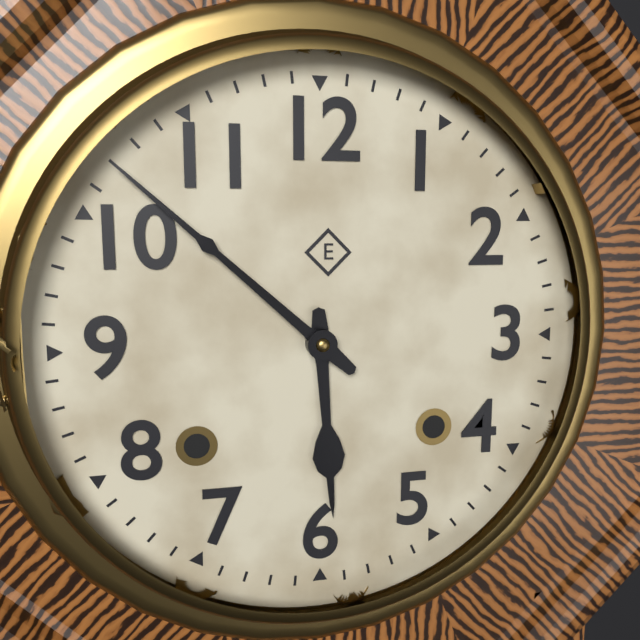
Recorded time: 5.52
